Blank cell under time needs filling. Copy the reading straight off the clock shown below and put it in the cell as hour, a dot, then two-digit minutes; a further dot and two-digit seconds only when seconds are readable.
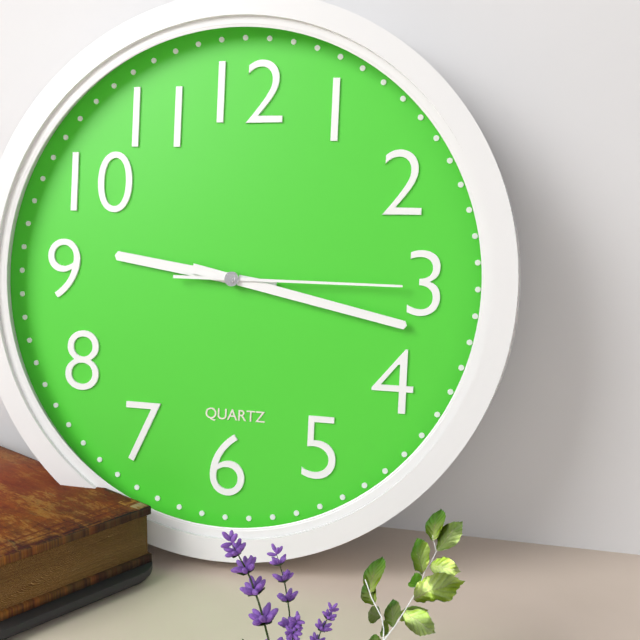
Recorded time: 9.17.15
